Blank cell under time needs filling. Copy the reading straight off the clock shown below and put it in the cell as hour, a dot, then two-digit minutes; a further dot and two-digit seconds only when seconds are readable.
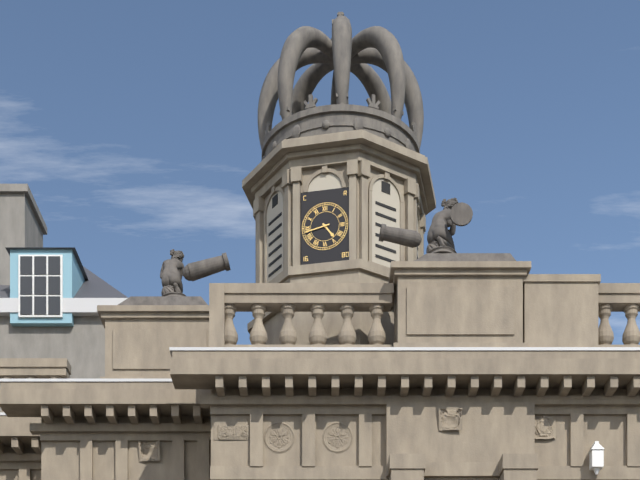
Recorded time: 4.43
